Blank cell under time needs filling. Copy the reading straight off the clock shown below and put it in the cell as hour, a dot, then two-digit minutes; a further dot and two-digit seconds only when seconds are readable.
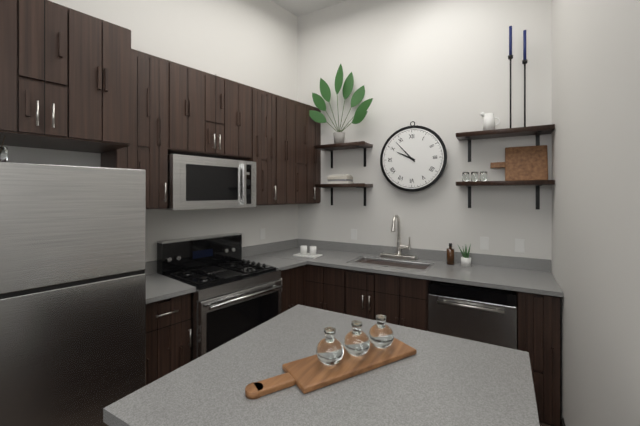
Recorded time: 9.53
